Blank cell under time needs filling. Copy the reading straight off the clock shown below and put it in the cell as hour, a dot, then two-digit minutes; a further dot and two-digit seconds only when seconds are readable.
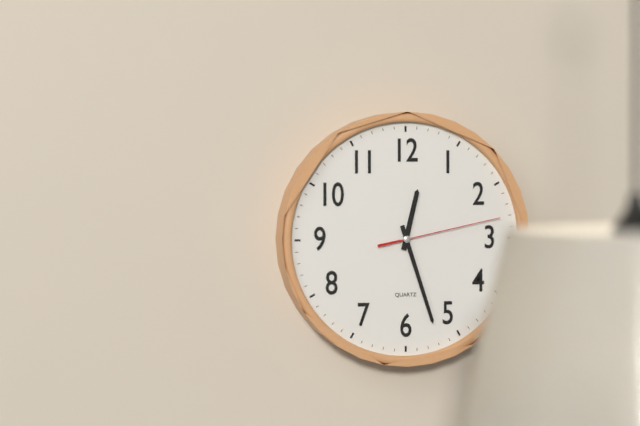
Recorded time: 12.27.13
